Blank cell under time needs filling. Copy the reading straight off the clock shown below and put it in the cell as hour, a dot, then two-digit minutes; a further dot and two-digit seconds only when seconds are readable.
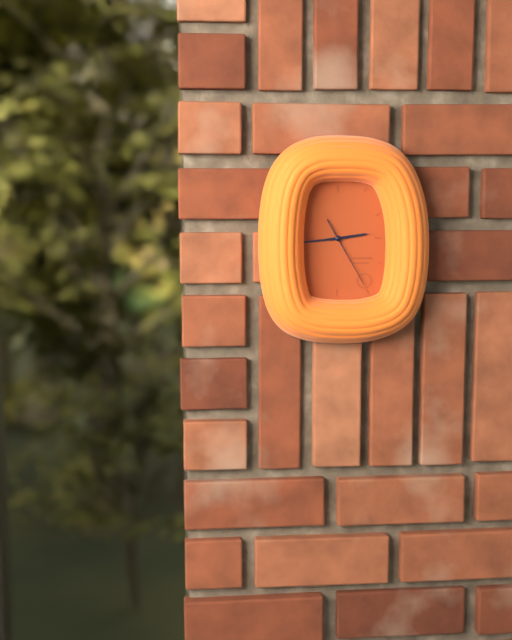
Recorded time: 2.44.25
